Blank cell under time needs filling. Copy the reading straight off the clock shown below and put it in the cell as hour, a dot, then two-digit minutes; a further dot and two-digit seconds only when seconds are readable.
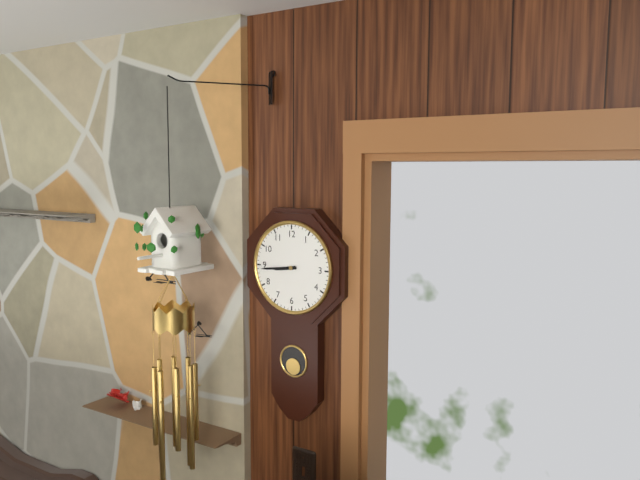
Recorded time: 8.44
